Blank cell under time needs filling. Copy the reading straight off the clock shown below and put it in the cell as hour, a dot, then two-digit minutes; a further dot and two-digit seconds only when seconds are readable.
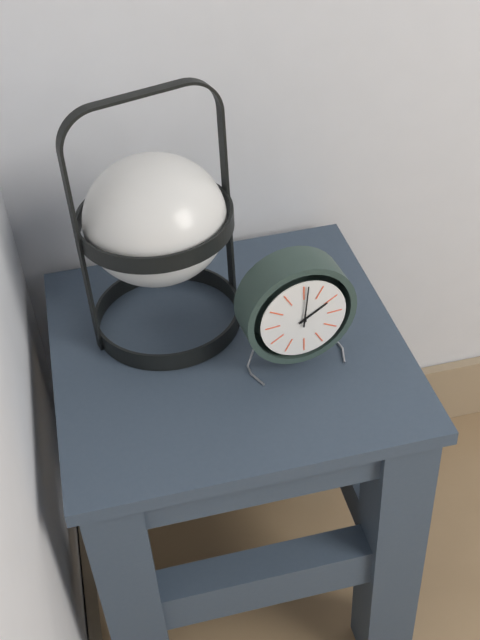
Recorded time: 2.01
